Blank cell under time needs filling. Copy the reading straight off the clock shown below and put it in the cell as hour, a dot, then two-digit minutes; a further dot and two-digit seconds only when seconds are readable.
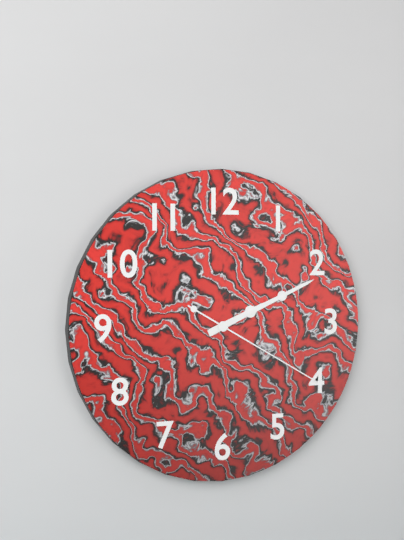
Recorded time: 2.11.20
